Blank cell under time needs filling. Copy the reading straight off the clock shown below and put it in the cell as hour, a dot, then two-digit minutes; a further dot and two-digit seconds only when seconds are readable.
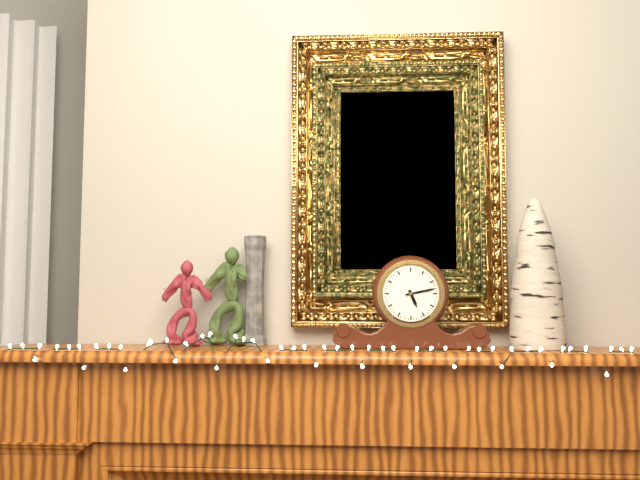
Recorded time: 5.13
